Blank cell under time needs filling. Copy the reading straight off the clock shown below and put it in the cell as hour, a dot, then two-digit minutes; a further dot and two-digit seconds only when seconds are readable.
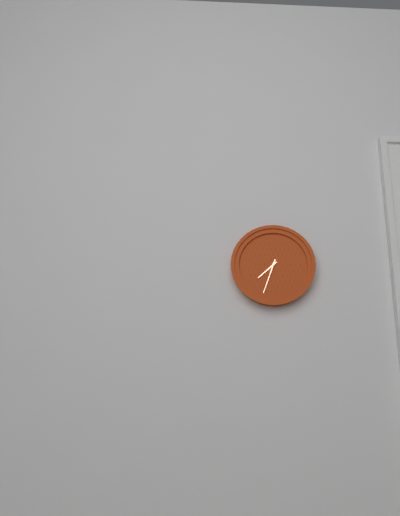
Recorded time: 7.33
